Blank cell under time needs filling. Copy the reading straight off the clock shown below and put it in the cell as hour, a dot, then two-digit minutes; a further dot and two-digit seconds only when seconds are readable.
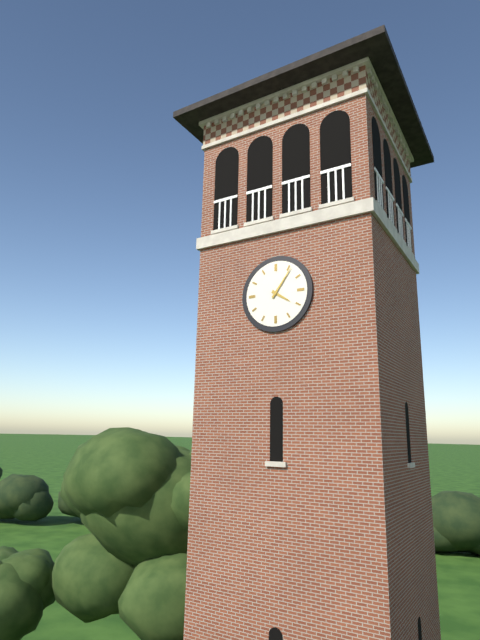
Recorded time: 4.06
